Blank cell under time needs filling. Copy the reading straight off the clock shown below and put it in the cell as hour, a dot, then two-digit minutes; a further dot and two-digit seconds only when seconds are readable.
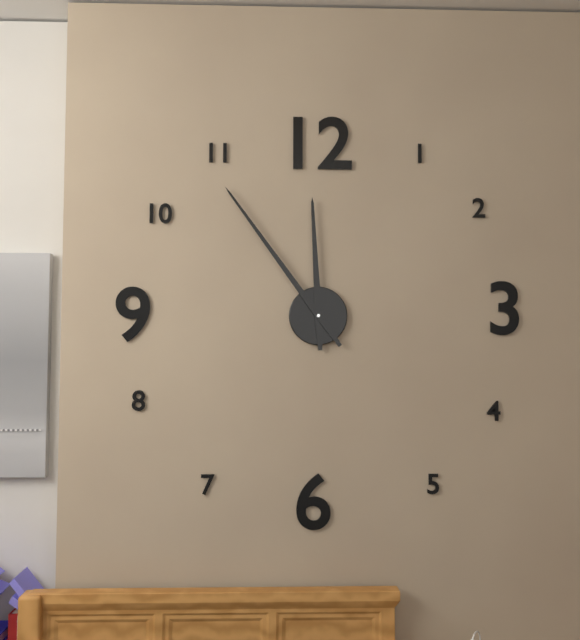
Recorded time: 11.54
